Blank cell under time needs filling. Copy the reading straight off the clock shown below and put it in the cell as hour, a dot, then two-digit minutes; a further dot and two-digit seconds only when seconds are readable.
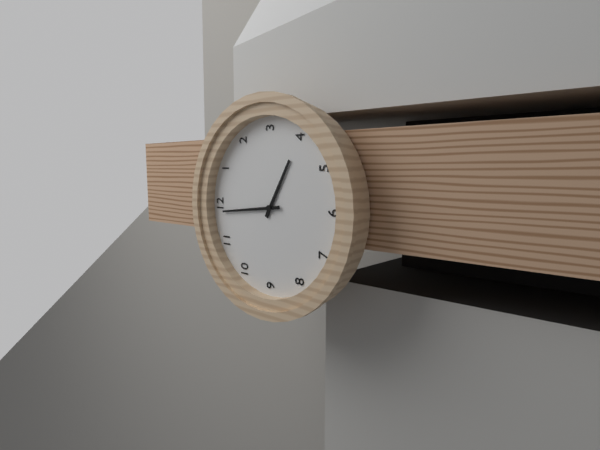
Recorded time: 3.59
